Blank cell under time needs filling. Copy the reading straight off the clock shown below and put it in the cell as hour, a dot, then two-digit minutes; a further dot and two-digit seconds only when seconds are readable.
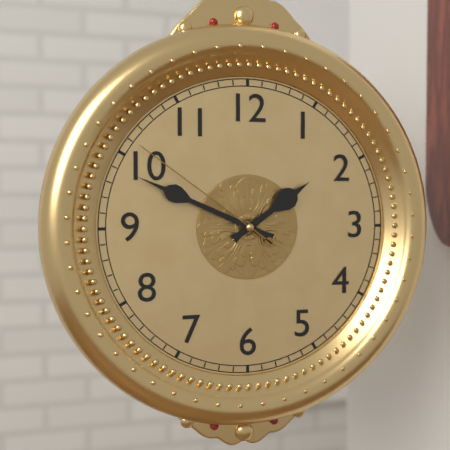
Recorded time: 1.49.51
